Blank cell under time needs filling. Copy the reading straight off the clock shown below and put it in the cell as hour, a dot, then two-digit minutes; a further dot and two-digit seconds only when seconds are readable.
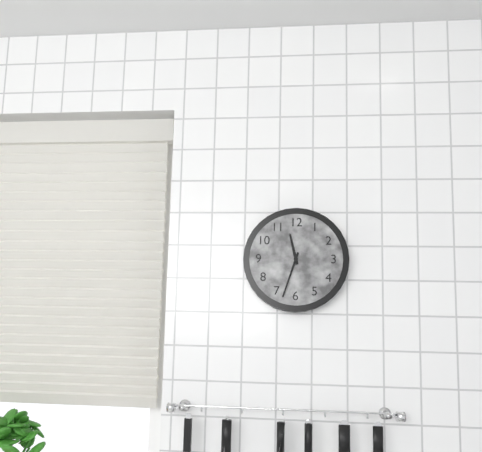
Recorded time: 11.33
